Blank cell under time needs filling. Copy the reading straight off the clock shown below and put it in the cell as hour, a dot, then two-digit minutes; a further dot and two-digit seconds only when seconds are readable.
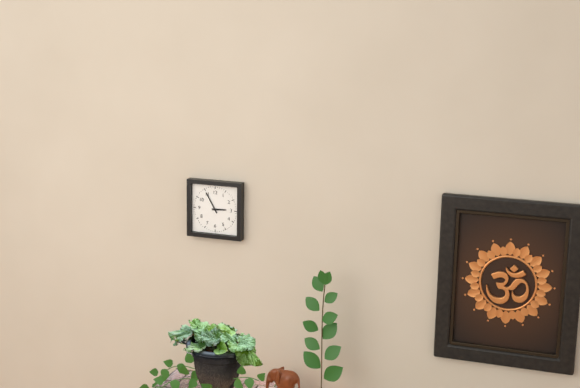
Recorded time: 2.55
